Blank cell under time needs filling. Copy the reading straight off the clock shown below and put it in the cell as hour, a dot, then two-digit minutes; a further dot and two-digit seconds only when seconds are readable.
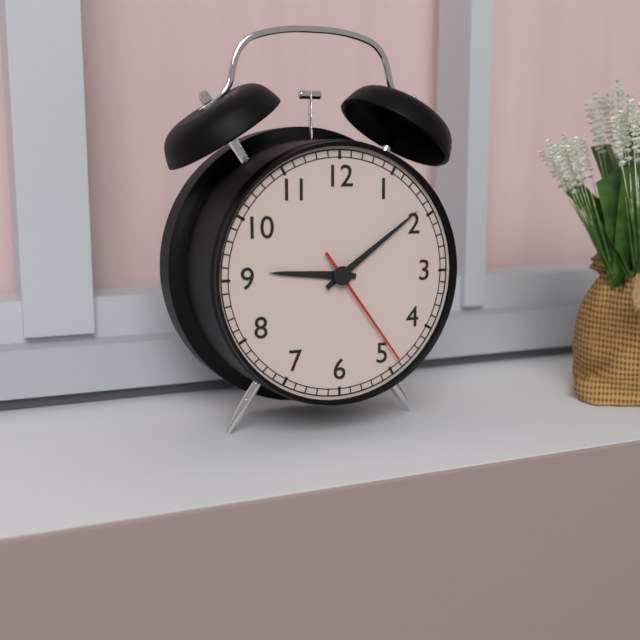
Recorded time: 9.09.24
